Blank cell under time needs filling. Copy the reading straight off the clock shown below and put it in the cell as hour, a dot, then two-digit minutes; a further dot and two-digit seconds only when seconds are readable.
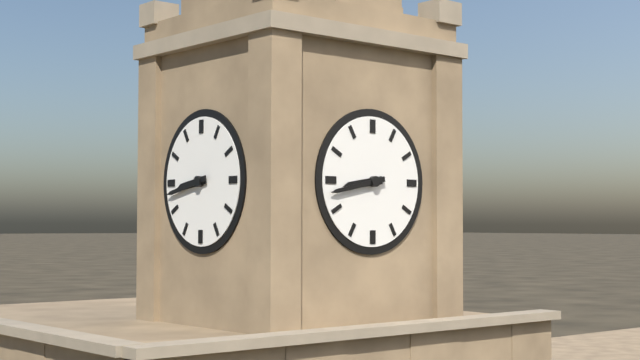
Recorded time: 8.43
